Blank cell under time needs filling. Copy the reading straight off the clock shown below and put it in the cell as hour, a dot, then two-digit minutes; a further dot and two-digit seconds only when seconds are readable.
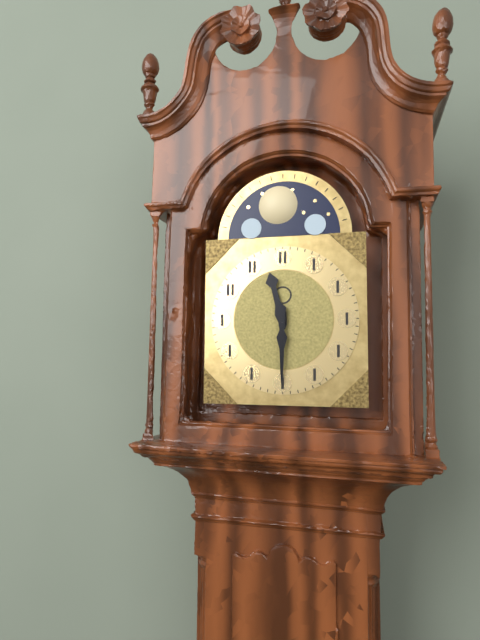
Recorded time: 11.30
